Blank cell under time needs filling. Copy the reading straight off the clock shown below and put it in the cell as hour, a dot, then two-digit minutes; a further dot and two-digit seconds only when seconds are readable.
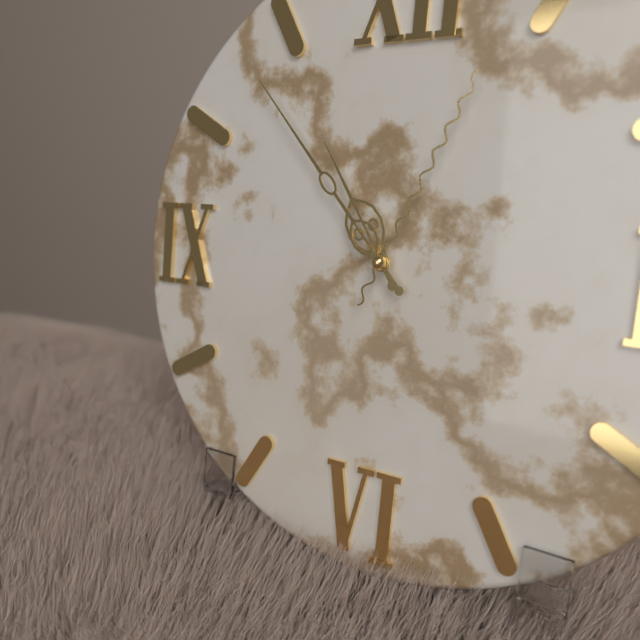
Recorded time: 10.53.04
